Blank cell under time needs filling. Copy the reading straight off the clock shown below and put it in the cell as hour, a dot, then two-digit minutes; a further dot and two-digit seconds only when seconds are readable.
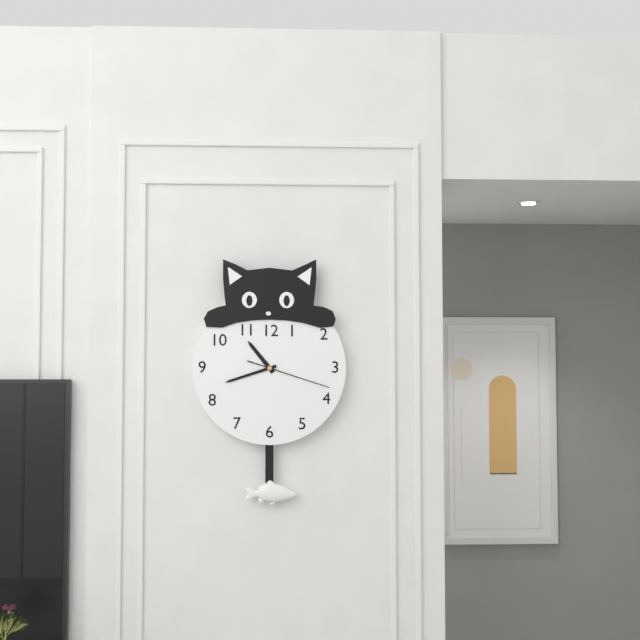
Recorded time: 10.42.18
